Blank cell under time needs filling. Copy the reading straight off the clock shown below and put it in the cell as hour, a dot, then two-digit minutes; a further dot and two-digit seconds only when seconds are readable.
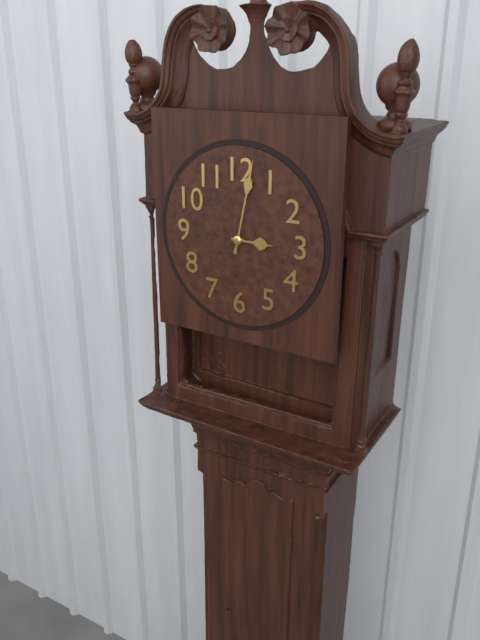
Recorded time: 3.02
